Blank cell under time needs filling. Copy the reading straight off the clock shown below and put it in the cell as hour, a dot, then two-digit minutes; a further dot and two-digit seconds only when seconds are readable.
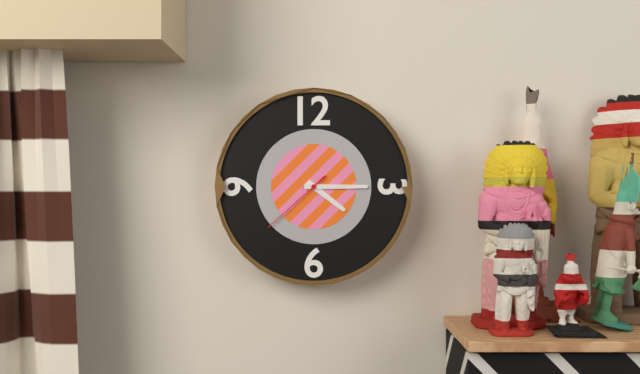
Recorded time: 4.15.38
